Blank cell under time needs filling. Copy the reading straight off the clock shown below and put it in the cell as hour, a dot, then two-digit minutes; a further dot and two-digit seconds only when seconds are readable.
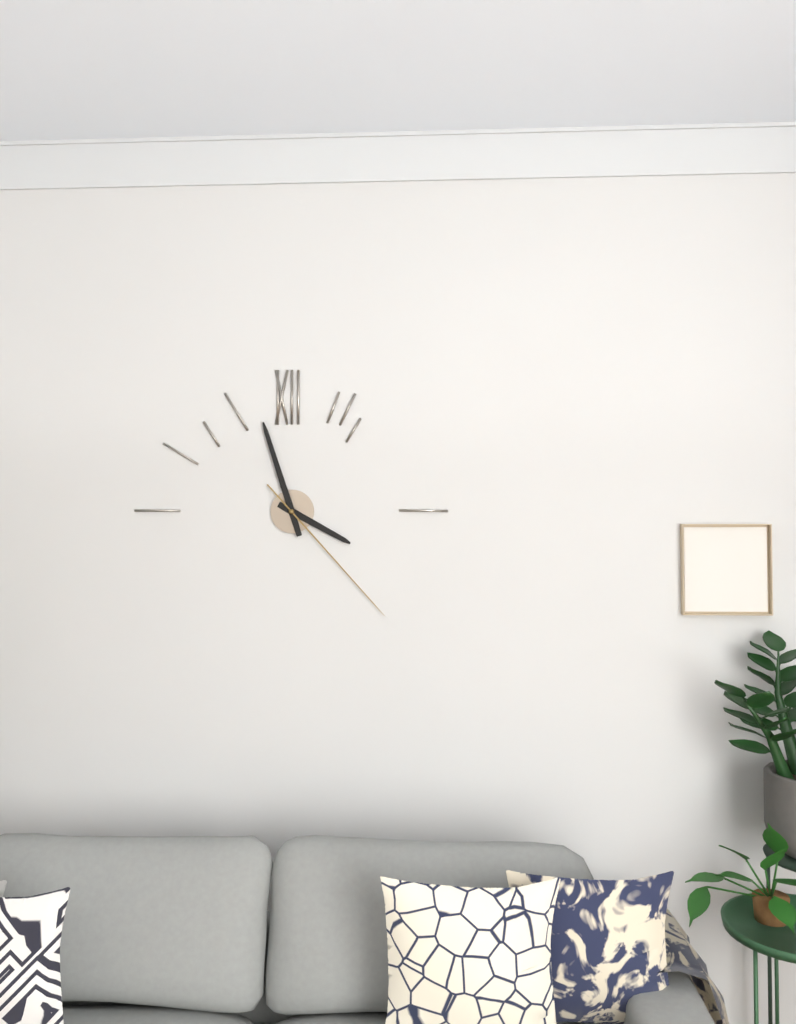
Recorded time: 3.57.23
